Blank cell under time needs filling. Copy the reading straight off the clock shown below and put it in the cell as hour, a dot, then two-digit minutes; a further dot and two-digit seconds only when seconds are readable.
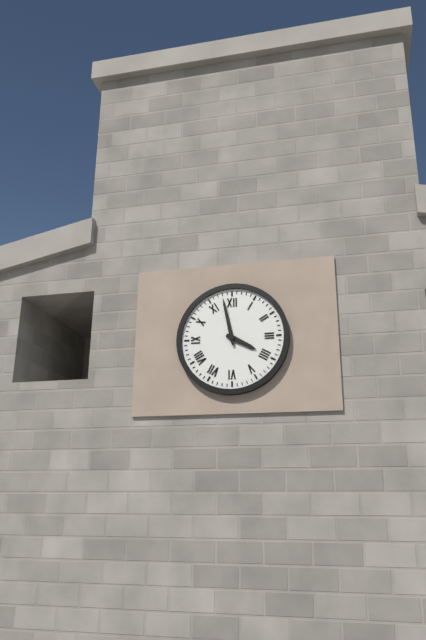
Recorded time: 3.58
